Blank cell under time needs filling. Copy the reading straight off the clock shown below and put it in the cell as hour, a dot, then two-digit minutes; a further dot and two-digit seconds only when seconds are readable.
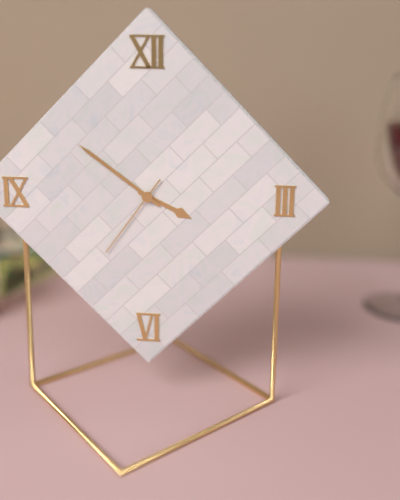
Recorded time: 3.51.36
